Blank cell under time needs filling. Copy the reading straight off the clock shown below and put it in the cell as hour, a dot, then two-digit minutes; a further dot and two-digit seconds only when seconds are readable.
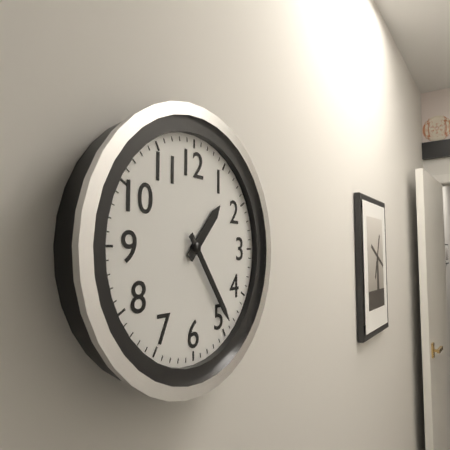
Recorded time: 1.24
